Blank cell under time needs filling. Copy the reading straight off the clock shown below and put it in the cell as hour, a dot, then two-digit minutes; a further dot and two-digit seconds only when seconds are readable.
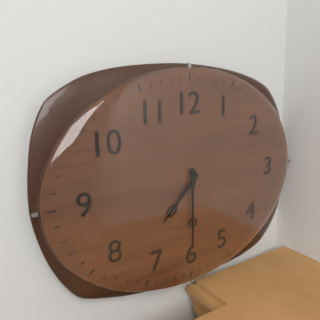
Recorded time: 7.30
